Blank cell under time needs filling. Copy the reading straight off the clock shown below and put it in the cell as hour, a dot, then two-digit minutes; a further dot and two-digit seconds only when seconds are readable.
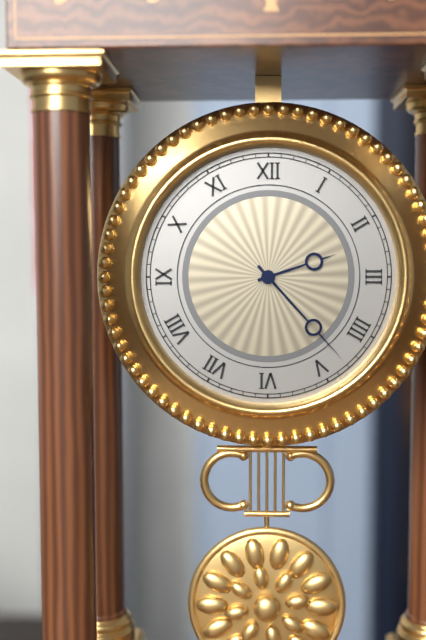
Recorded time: 2.23
